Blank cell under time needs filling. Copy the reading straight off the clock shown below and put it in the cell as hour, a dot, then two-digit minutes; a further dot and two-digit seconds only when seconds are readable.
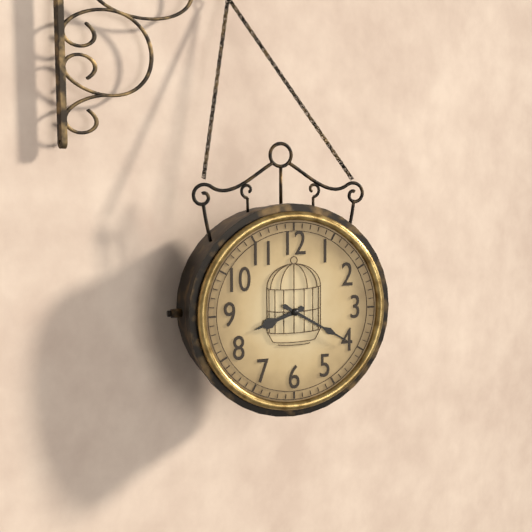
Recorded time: 8.20
